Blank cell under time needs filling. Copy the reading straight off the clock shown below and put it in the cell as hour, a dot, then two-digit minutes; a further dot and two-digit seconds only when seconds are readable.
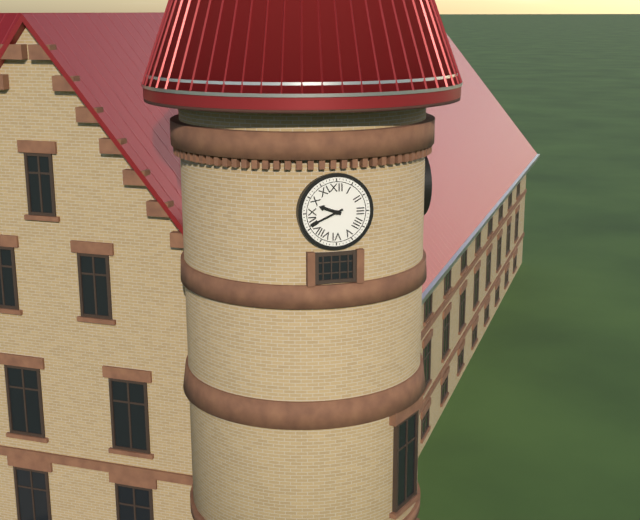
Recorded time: 9.41
